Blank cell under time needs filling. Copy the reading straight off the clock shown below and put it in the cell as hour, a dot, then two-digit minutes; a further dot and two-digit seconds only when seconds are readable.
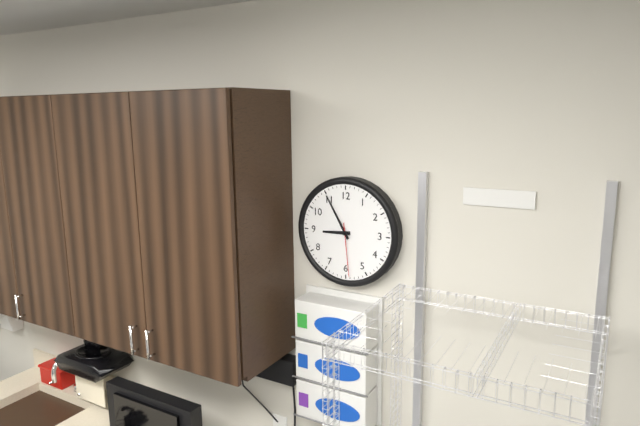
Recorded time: 8.55.29
